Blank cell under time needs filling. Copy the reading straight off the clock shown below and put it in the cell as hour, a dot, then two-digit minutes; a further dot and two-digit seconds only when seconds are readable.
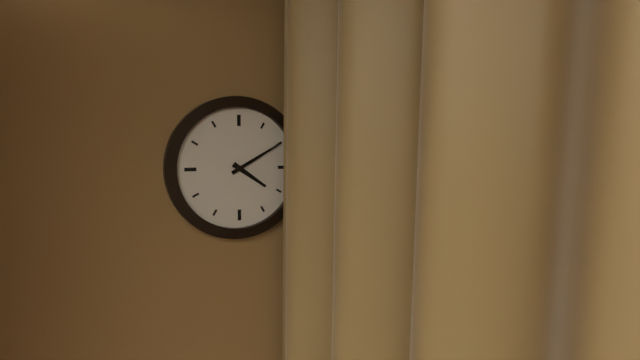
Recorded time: 4.10
